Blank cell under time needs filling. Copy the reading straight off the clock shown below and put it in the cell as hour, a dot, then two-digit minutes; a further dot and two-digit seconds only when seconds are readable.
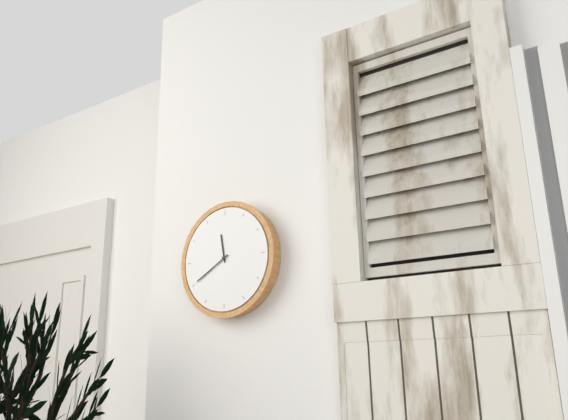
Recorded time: 11.40
